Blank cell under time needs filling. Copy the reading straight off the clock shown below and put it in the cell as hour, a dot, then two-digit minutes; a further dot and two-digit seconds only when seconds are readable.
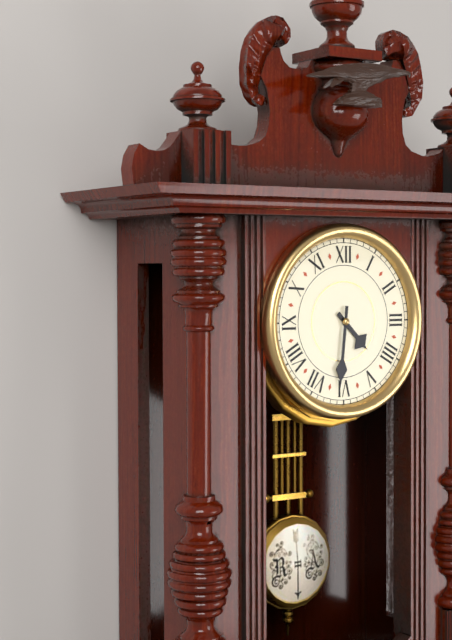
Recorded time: 4.31
